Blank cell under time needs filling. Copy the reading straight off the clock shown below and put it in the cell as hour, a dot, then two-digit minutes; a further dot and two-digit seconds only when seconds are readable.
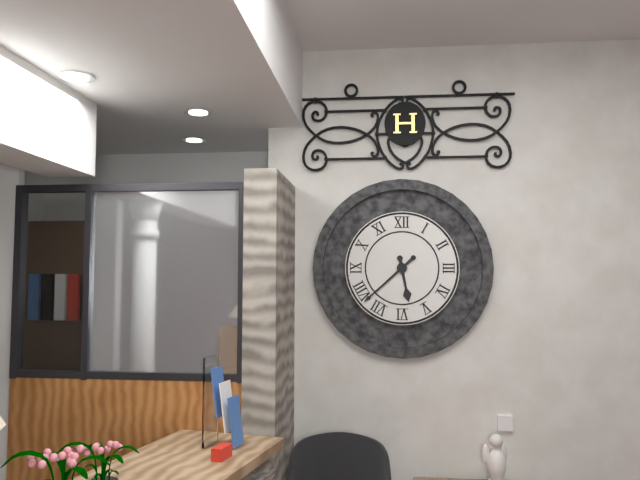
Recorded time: 5.38
